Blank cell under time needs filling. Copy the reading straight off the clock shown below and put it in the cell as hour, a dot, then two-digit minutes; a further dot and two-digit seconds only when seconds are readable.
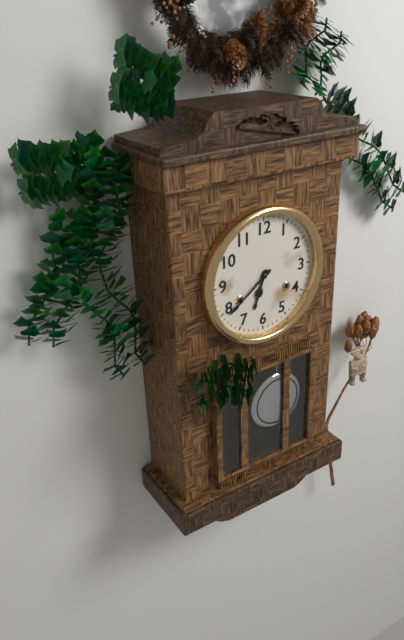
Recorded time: 6.39
